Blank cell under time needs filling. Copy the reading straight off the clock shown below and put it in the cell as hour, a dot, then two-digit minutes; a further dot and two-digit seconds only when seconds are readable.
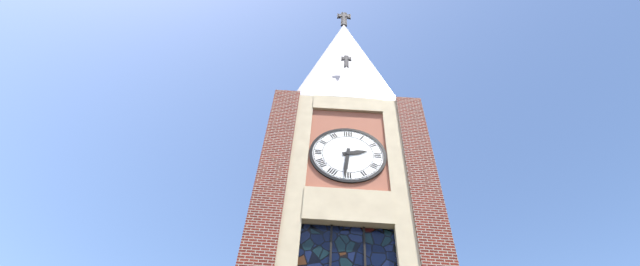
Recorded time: 2.31
